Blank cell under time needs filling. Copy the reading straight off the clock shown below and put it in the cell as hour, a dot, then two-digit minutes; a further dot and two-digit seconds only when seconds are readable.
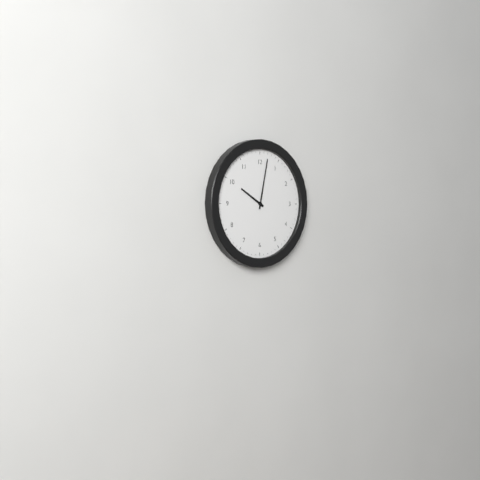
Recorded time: 10.02
